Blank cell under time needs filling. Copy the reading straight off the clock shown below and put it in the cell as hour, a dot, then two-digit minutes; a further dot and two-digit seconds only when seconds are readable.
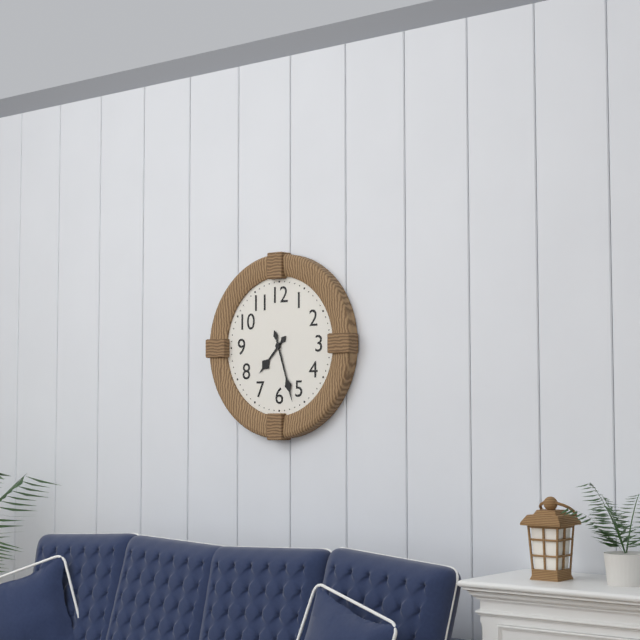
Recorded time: 7.27
